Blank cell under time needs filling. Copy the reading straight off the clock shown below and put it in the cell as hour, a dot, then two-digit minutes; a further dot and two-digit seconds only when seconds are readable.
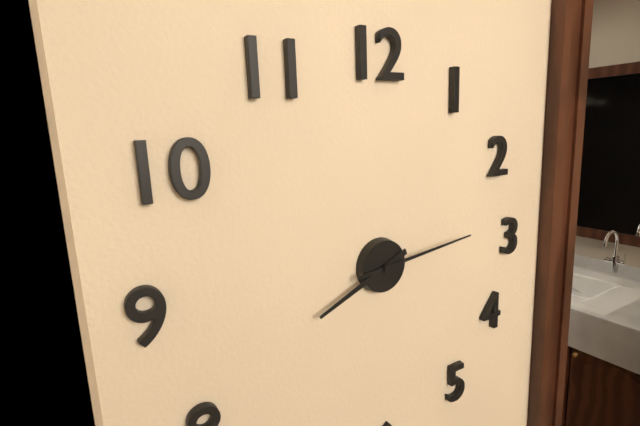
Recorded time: 8.14
